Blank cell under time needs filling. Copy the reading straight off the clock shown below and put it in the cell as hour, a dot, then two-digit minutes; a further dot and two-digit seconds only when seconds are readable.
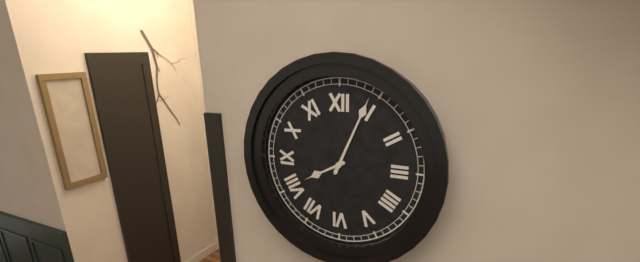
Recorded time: 8.04
